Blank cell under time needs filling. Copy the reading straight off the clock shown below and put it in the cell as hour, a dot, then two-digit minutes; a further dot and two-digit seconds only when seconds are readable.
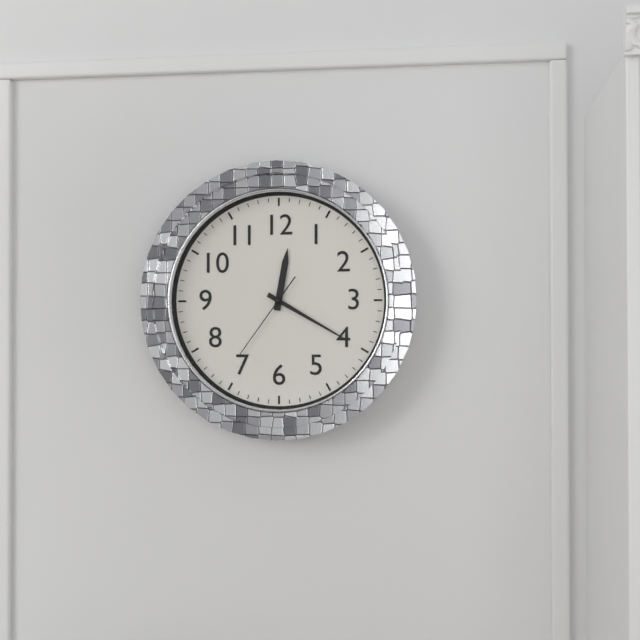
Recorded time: 12.20.36
